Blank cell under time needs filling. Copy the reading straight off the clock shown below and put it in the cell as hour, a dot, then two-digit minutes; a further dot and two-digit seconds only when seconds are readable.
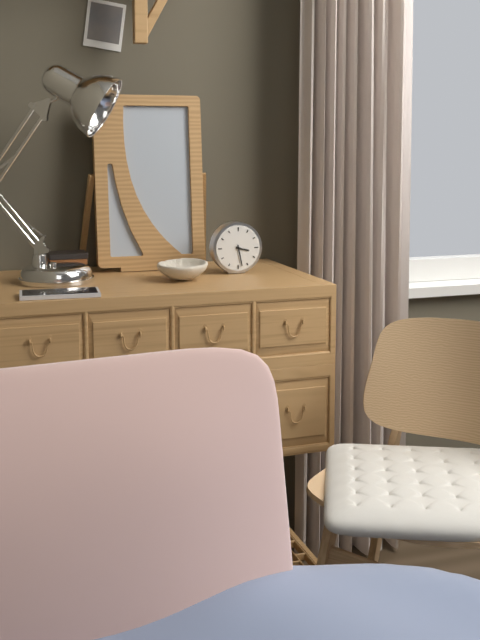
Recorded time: 3.28
